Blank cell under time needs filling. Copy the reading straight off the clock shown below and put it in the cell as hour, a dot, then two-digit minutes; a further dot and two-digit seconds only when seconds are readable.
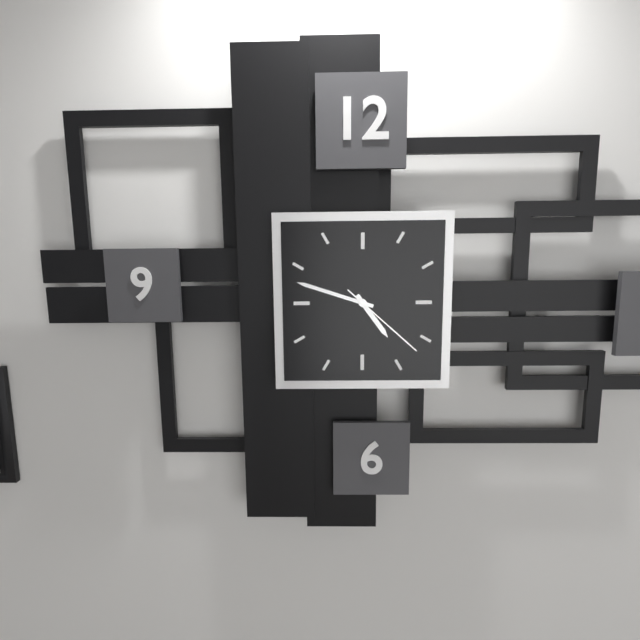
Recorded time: 4.48.22
